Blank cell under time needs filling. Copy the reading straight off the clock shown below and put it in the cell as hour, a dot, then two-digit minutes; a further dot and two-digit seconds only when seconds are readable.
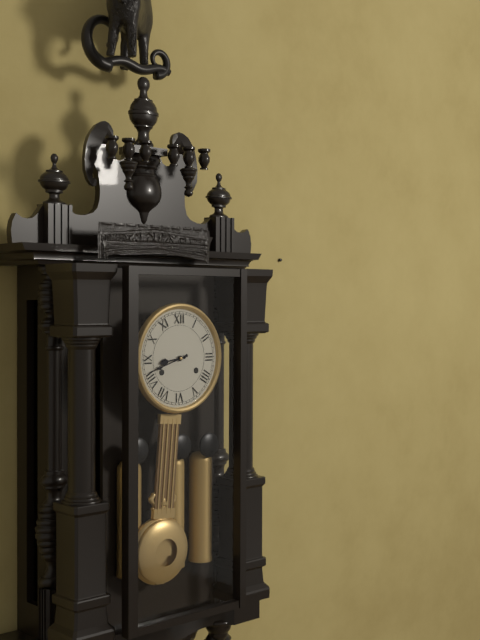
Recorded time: 8.42
